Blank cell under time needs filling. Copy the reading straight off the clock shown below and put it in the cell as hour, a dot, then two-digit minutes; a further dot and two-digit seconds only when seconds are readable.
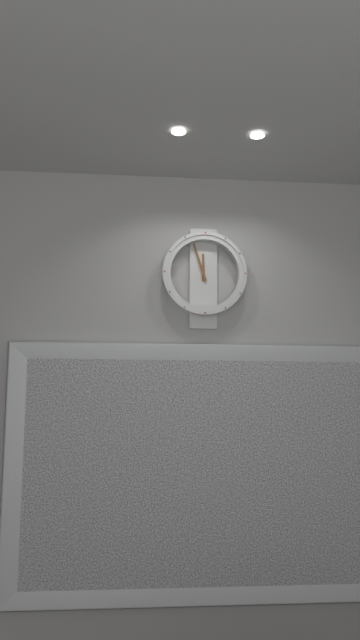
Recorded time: 11.57
